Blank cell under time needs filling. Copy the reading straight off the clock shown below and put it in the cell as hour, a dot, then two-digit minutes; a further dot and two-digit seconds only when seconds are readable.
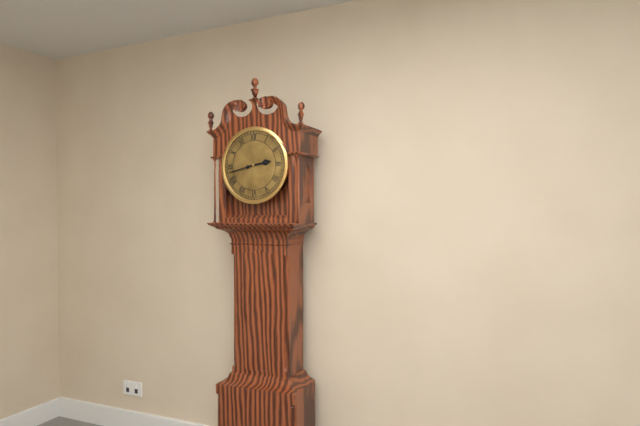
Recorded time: 2.43
